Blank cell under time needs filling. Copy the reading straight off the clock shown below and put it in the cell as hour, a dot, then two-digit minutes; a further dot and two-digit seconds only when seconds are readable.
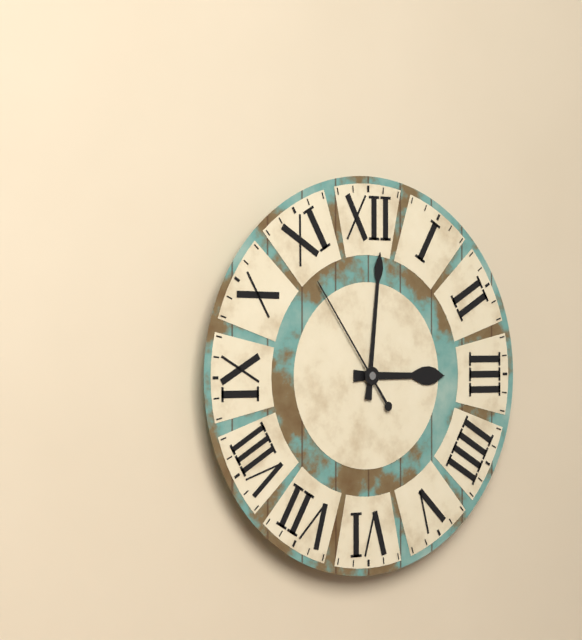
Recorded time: 3.01.54
